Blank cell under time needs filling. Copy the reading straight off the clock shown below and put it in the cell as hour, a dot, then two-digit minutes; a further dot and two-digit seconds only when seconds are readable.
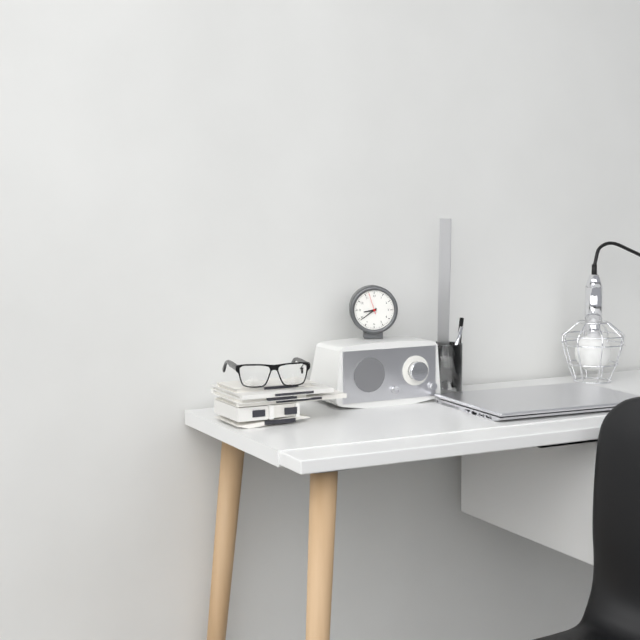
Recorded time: 8.39
